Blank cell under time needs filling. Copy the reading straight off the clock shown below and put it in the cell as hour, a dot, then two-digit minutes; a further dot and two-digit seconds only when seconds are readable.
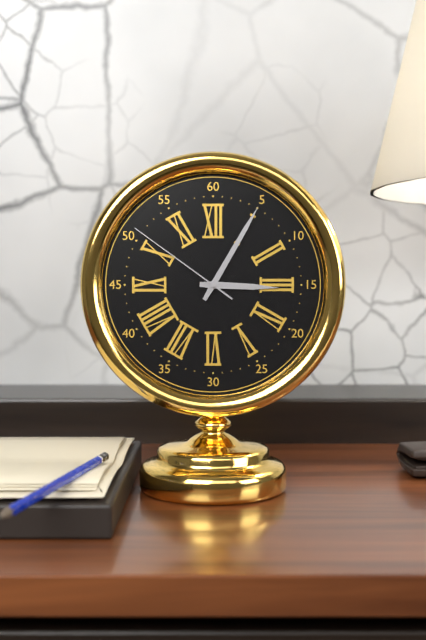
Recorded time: 3.05.51
